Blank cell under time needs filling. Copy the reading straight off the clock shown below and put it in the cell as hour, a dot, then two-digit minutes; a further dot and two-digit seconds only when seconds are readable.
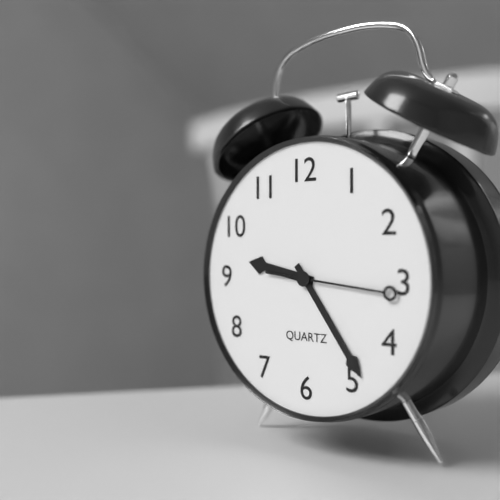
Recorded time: 9.24.16
